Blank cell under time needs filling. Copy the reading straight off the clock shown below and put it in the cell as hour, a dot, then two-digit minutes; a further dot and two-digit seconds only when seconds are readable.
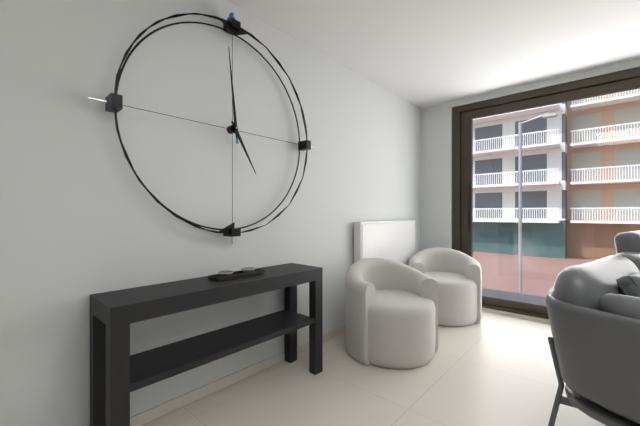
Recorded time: 4.59
